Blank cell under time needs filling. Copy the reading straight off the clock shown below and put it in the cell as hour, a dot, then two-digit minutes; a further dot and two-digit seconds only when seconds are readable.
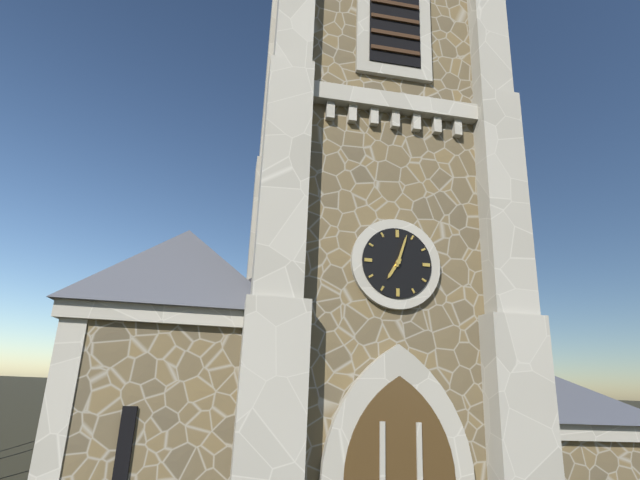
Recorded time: 7.03
